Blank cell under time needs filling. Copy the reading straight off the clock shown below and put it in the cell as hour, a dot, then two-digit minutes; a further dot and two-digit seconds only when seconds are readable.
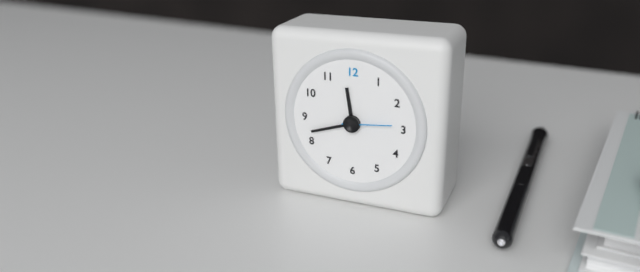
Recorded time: 11.42
